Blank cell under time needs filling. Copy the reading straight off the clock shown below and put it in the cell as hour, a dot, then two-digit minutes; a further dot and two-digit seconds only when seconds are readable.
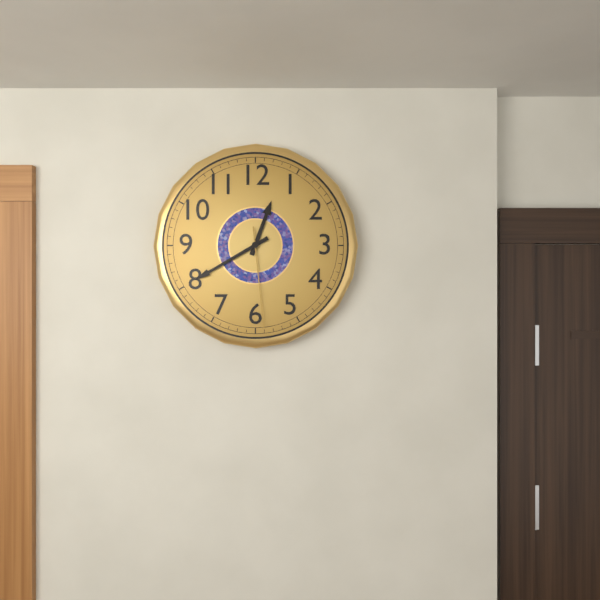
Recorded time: 12.40.29
